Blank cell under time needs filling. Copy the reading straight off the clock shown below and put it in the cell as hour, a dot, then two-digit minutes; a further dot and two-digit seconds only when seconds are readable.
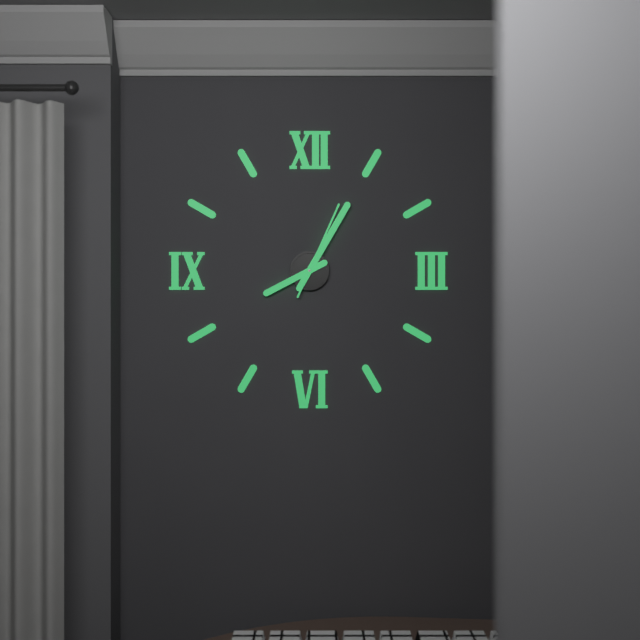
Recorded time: 8.05.04
